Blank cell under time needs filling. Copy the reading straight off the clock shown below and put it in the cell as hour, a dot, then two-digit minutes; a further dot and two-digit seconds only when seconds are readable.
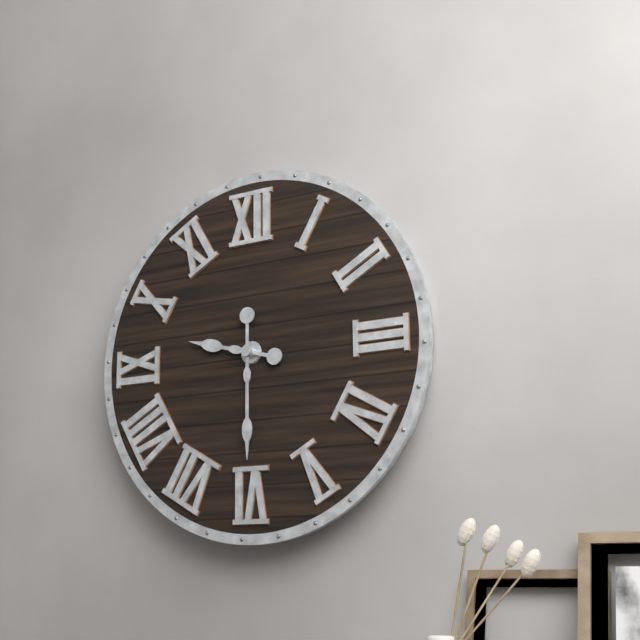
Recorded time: 9.30
